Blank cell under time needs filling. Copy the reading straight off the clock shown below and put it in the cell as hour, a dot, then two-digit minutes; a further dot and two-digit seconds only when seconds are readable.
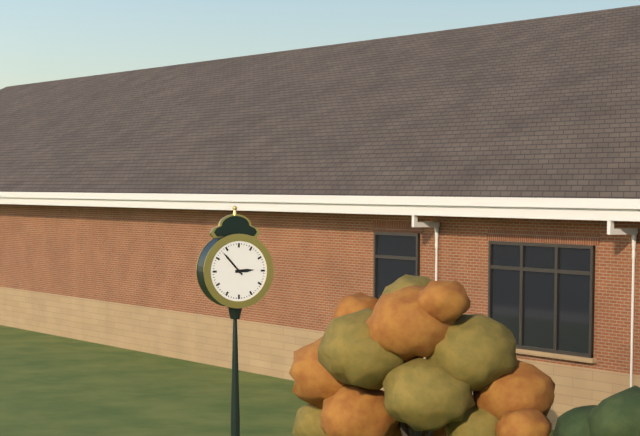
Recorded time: 2.53
